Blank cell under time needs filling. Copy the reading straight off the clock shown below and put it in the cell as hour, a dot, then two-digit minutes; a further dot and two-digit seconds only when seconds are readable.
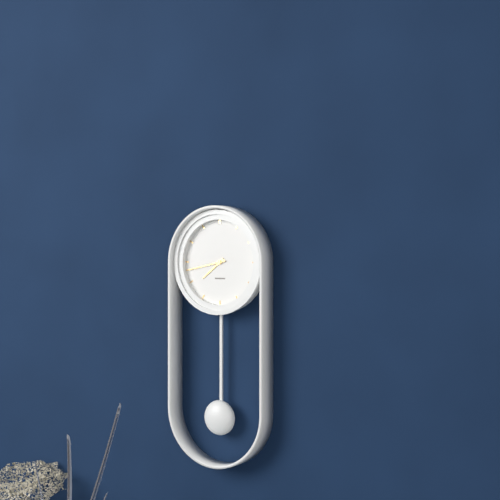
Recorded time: 7.43
